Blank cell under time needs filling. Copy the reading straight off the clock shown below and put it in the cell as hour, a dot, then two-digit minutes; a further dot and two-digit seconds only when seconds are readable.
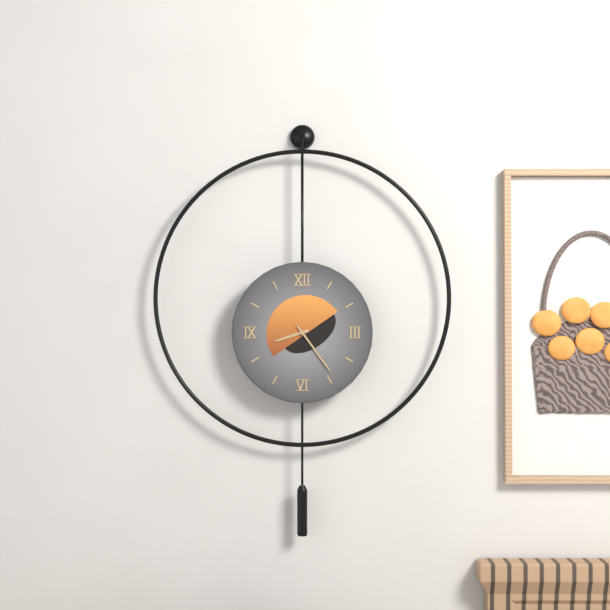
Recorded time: 8.24
